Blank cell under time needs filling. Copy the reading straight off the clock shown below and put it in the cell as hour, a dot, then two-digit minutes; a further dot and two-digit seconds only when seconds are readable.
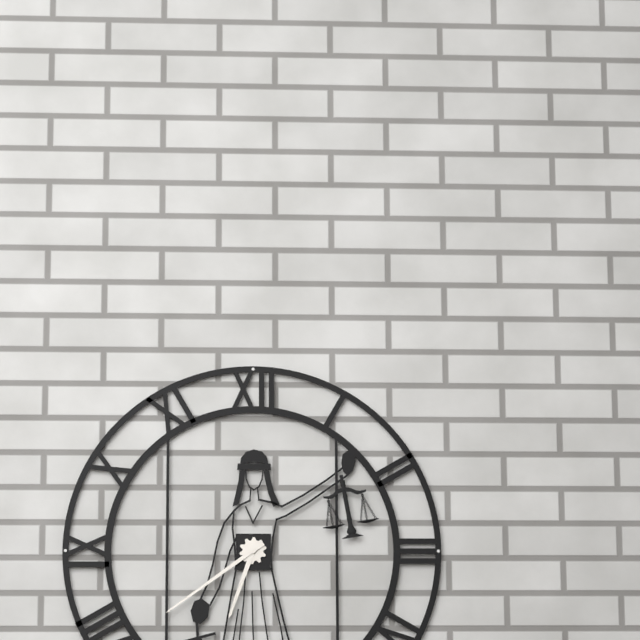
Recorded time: 6.39
